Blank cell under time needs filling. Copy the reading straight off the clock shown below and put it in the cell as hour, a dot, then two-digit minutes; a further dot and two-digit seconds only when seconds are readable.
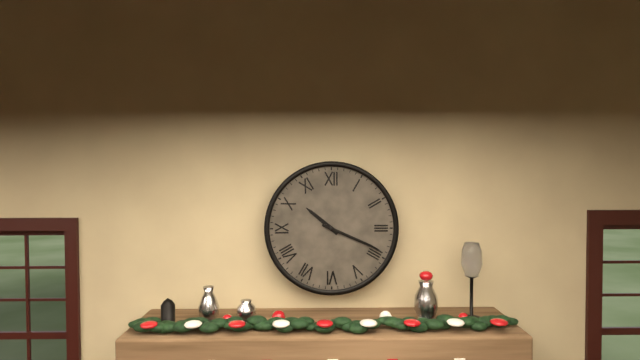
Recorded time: 10.19
